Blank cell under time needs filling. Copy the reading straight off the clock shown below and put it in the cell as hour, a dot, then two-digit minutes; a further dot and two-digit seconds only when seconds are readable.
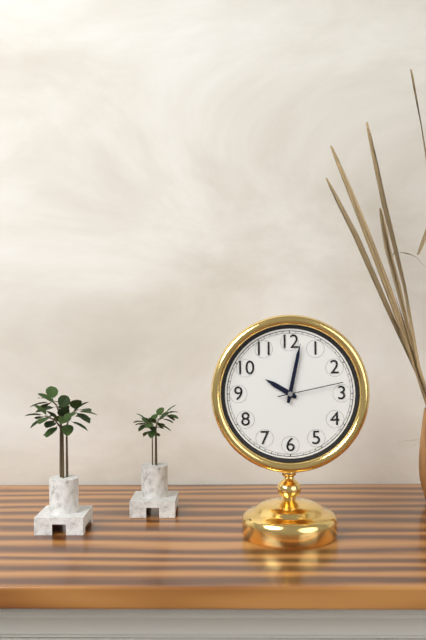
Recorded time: 10.02.13
